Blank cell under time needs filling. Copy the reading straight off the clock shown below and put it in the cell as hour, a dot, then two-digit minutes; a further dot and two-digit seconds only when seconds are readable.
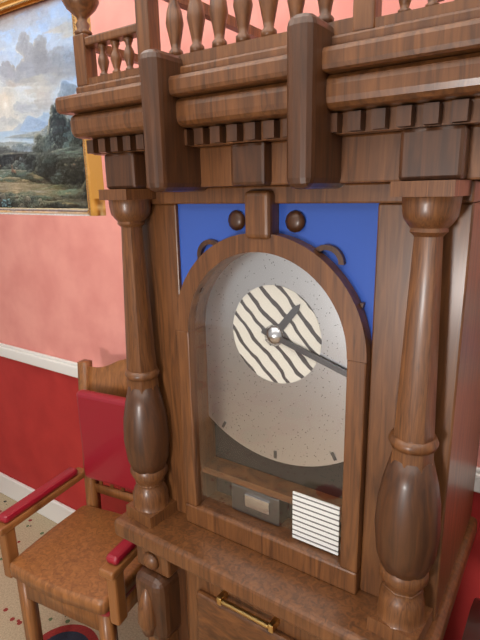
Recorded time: 1.18
